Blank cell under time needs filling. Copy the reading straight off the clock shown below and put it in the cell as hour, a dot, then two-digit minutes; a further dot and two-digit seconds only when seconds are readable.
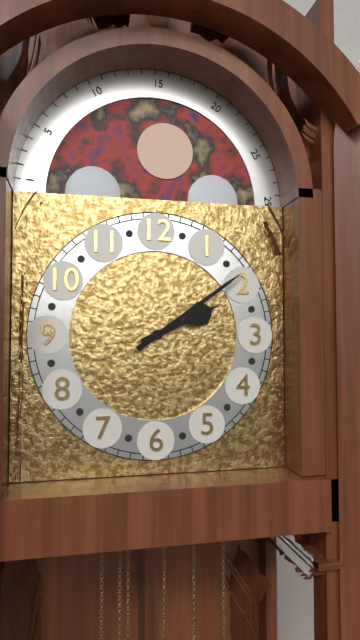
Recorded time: 2.09
